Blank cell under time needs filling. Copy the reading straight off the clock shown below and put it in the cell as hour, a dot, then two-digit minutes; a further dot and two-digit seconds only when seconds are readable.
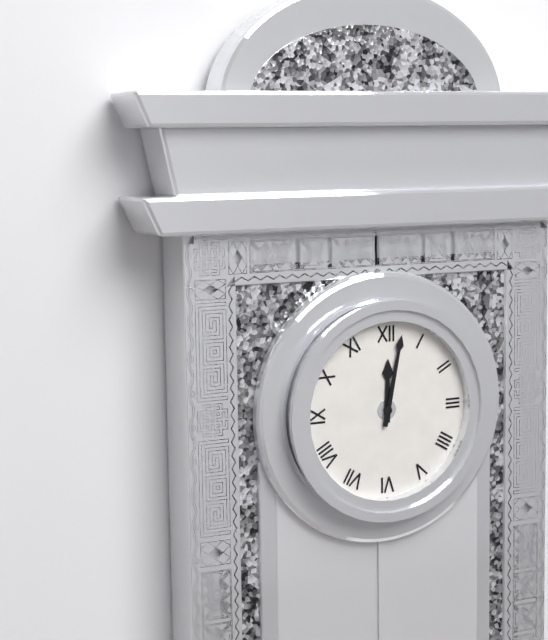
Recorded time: 12.02
